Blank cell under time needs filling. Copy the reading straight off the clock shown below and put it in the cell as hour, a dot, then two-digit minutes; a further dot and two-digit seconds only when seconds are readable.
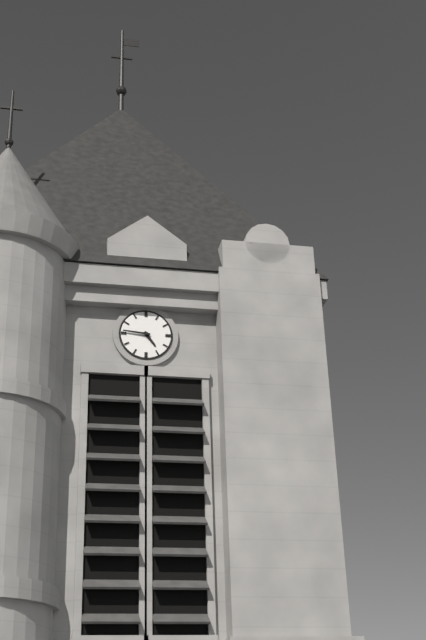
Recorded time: 4.46
